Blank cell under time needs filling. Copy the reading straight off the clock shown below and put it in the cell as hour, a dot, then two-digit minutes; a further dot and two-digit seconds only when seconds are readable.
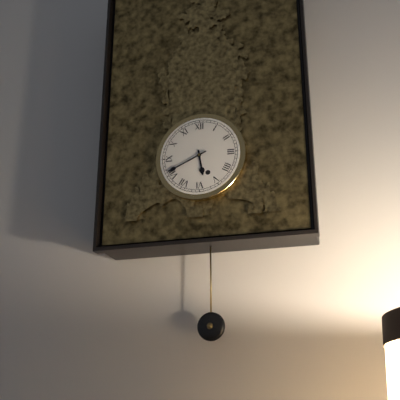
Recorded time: 5.41
